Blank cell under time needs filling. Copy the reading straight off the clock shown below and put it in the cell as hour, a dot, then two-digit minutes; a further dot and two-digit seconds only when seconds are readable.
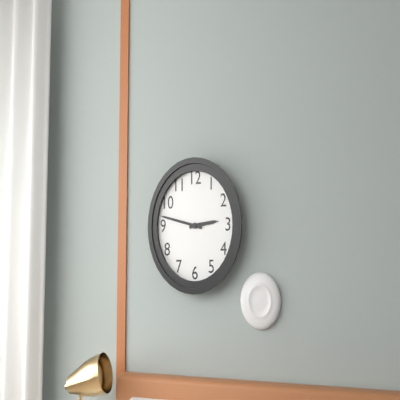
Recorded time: 2.47
